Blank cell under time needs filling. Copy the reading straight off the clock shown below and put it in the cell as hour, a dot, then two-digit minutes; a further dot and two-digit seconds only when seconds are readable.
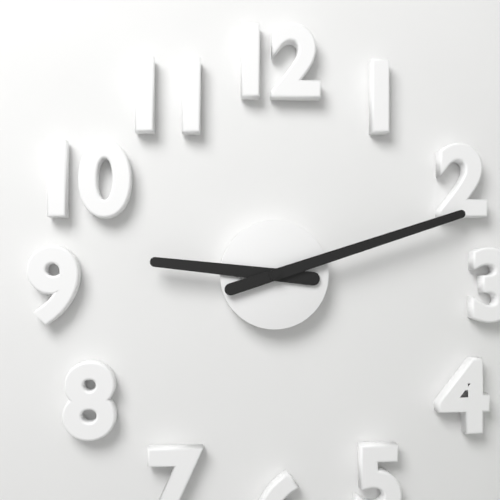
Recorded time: 9.12
